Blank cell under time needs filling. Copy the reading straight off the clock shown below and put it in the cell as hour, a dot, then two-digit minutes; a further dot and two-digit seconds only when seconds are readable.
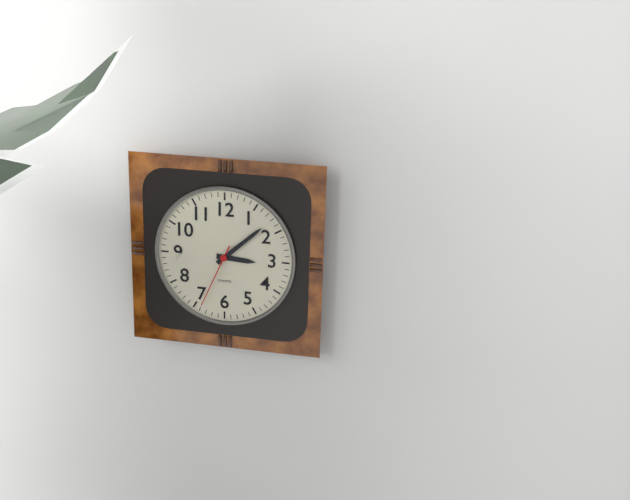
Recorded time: 3.08.34
